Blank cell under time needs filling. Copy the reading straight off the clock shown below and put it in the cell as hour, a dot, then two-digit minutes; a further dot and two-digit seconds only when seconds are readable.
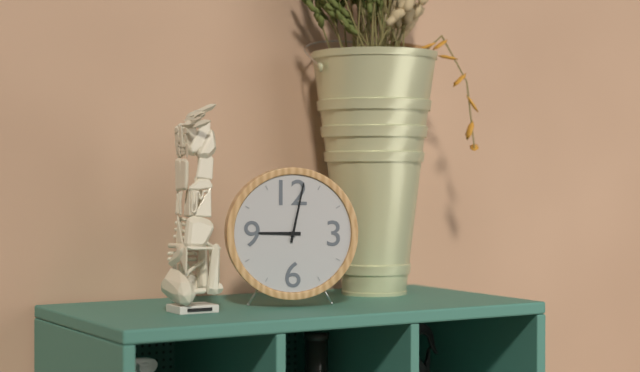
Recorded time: 9.02
